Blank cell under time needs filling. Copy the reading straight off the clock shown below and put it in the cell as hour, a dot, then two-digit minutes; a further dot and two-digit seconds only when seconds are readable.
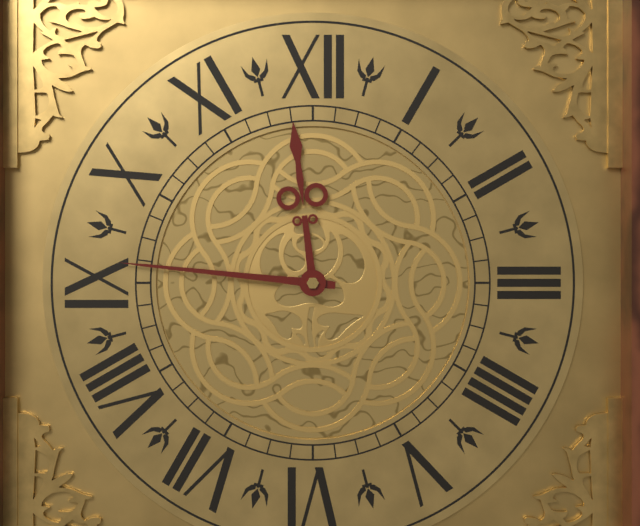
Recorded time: 11.46
